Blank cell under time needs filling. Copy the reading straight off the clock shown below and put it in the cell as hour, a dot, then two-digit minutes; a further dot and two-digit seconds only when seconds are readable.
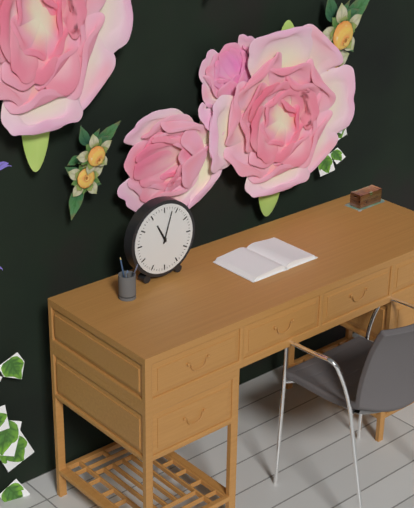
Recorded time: 11.03
